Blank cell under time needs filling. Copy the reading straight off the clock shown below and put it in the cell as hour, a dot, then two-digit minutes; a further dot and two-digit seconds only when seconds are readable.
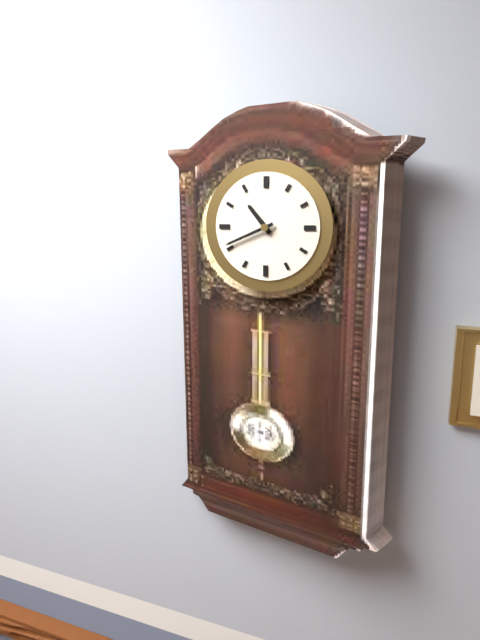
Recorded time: 10.41
